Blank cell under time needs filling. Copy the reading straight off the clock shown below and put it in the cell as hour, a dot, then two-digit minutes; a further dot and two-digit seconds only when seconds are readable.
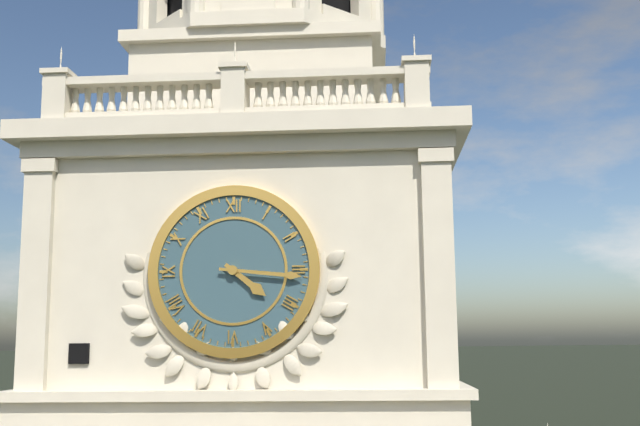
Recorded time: 4.16
